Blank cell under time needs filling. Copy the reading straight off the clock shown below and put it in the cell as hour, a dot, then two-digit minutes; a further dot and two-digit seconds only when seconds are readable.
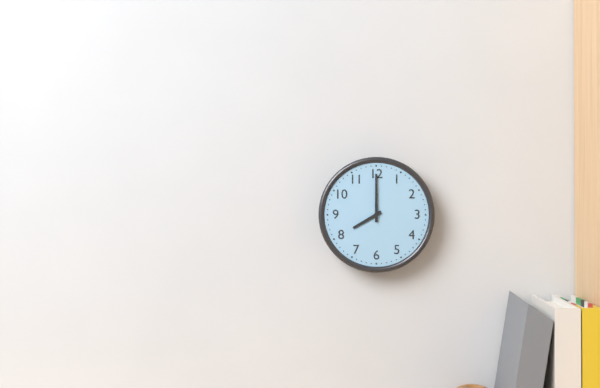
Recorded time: 8.00
